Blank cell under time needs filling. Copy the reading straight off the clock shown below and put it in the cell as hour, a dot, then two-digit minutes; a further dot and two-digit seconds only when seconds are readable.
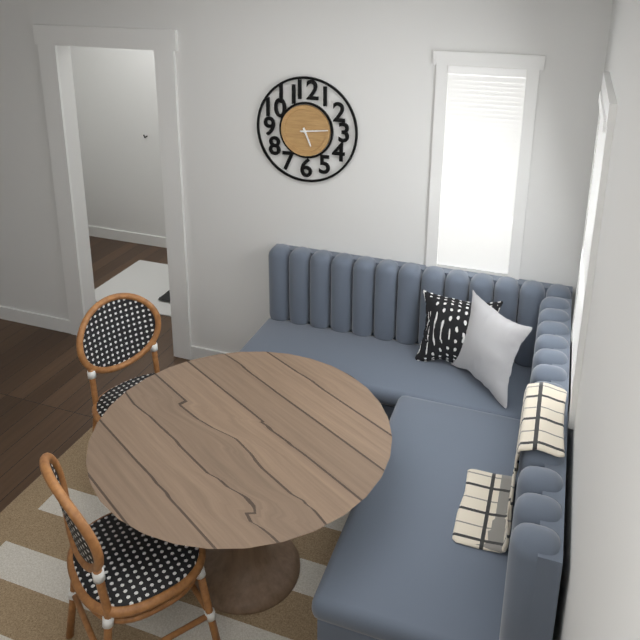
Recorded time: 5.14
